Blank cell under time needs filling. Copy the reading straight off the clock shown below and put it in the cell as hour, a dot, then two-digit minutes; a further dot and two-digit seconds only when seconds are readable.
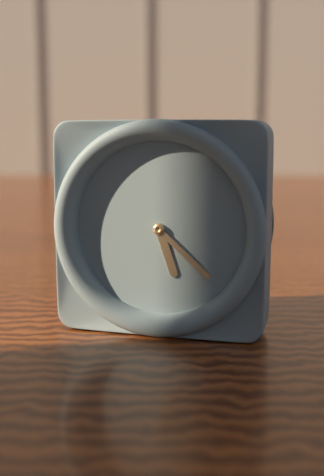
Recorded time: 5.22
